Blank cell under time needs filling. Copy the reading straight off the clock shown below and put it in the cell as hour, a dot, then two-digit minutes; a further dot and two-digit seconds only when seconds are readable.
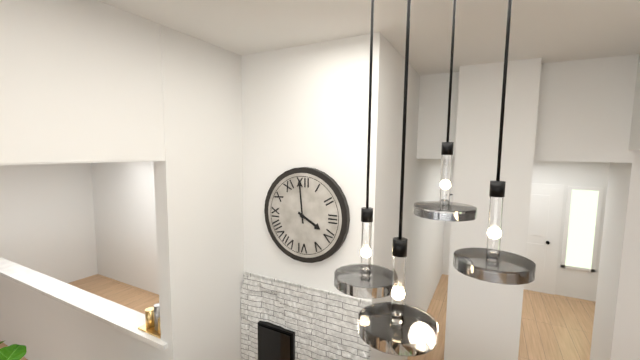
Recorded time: 3.59
